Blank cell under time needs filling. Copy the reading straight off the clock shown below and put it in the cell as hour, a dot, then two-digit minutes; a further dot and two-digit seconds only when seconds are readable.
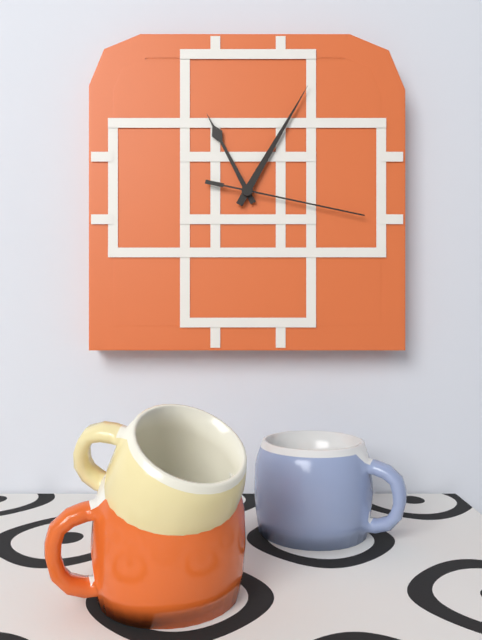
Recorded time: 11.05.17
